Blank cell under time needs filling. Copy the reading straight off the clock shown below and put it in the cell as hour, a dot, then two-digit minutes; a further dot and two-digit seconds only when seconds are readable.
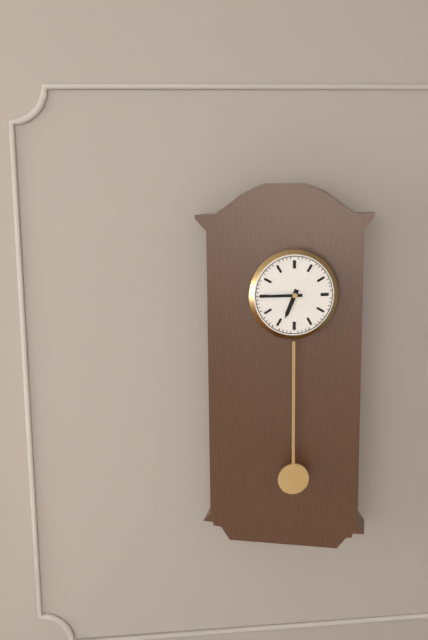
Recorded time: 6.45
